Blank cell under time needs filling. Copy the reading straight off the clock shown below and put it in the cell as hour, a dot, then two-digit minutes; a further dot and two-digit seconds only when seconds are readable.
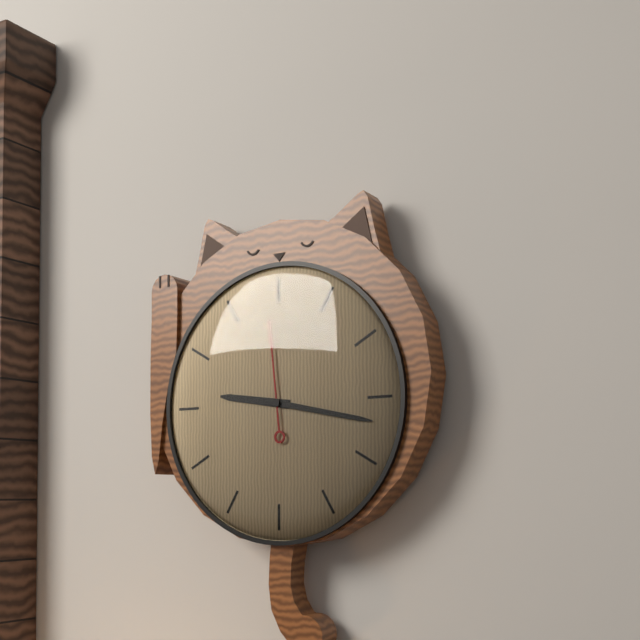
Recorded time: 9.17.59
